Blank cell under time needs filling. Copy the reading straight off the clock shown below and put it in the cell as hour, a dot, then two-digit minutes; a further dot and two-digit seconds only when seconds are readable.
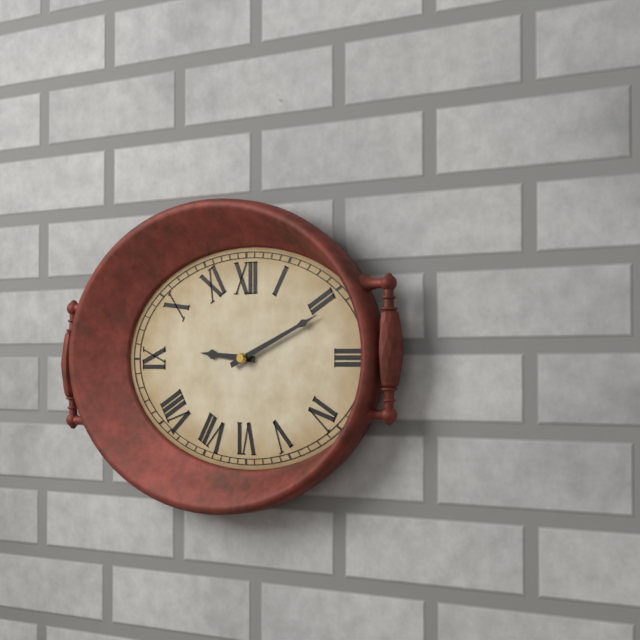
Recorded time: 9.11
